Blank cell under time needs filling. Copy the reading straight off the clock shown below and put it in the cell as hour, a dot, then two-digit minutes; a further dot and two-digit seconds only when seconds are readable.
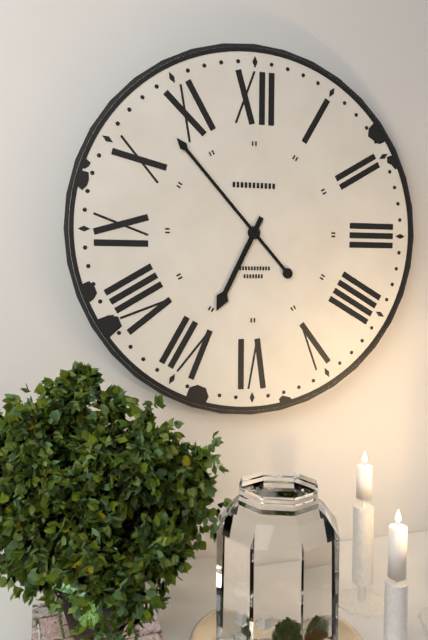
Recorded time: 6.53
